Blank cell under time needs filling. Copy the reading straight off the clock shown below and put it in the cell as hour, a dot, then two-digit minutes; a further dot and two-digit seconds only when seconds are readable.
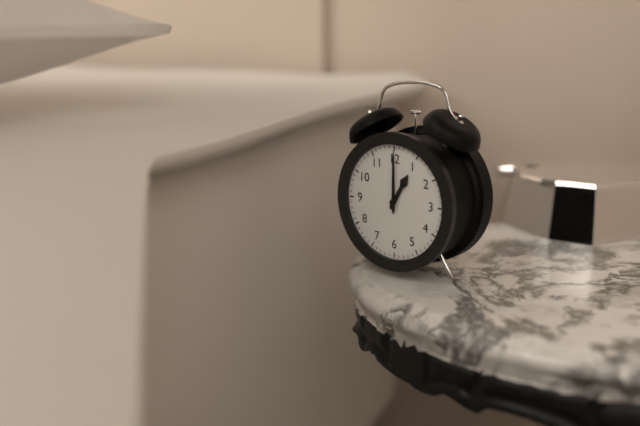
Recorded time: 1.00
